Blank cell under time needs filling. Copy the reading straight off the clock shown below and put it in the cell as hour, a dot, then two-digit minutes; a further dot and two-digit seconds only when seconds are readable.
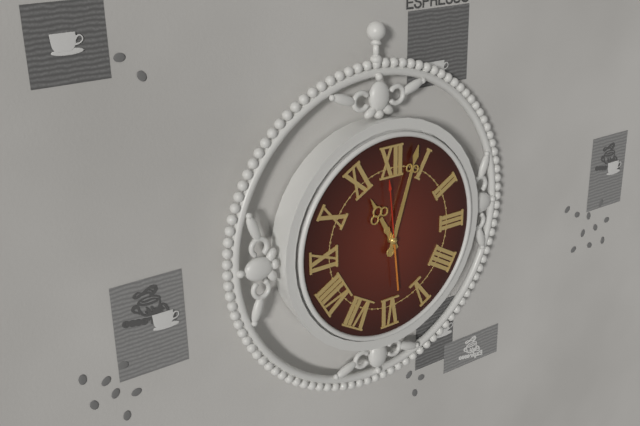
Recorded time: 11.03.59
